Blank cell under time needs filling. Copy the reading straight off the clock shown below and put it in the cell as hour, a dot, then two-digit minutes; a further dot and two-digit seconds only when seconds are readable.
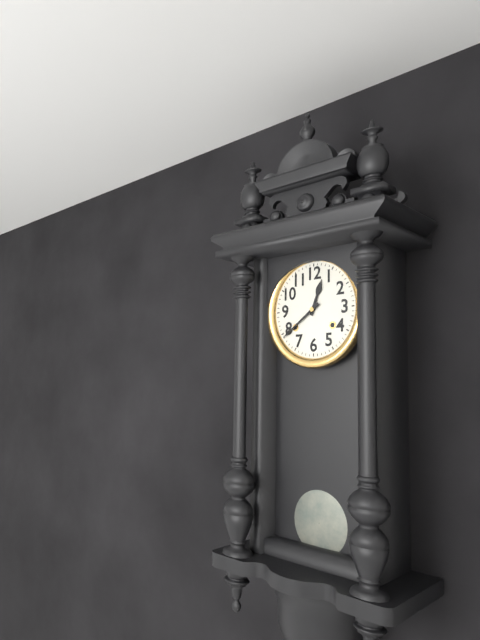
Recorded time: 12.39
